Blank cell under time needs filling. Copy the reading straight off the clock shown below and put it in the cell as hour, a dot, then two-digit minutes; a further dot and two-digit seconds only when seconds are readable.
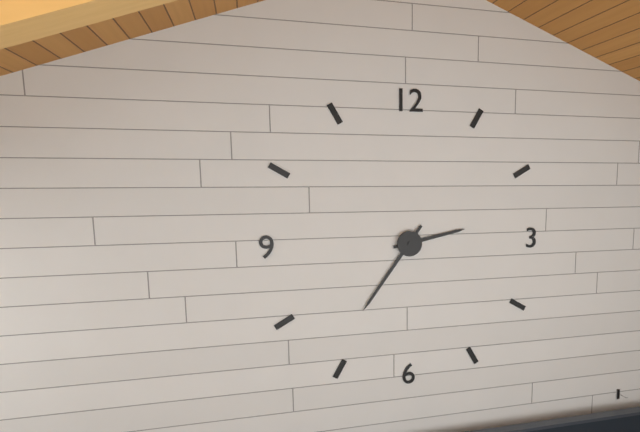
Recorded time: 2.36
